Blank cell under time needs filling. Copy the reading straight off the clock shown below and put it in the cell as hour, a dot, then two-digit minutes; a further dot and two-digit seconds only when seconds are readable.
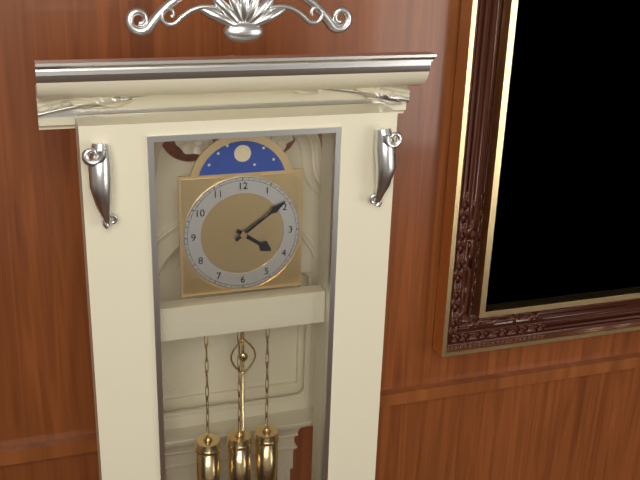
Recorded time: 4.09
